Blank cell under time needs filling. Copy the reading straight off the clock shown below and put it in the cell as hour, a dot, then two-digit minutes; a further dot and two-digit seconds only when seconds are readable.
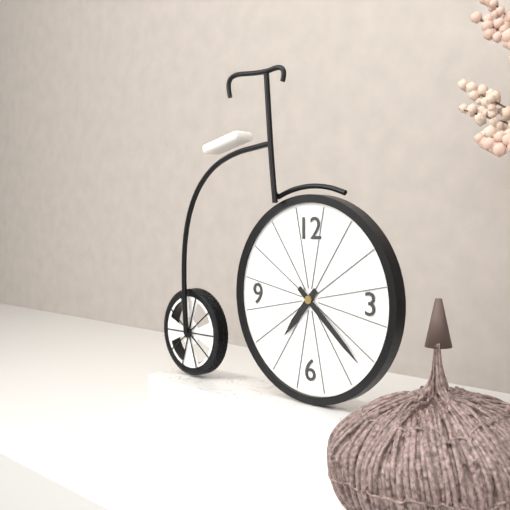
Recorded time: 7.22
